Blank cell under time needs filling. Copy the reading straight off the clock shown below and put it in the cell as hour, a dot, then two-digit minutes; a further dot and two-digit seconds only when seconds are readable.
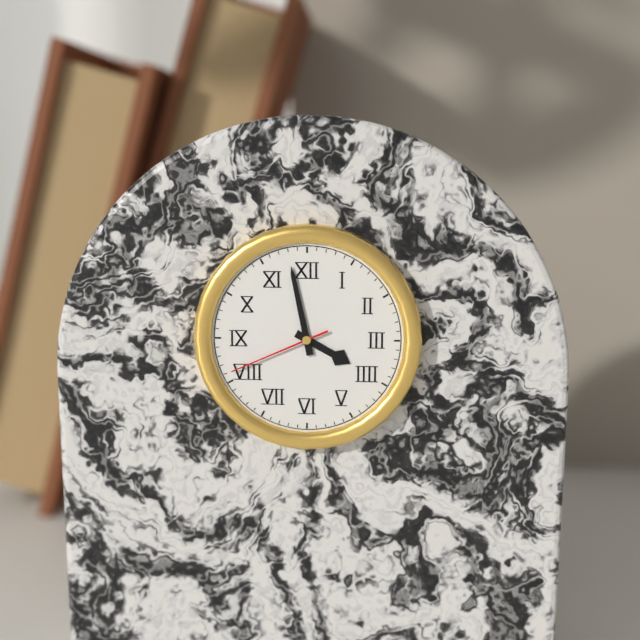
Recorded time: 3.58.41
